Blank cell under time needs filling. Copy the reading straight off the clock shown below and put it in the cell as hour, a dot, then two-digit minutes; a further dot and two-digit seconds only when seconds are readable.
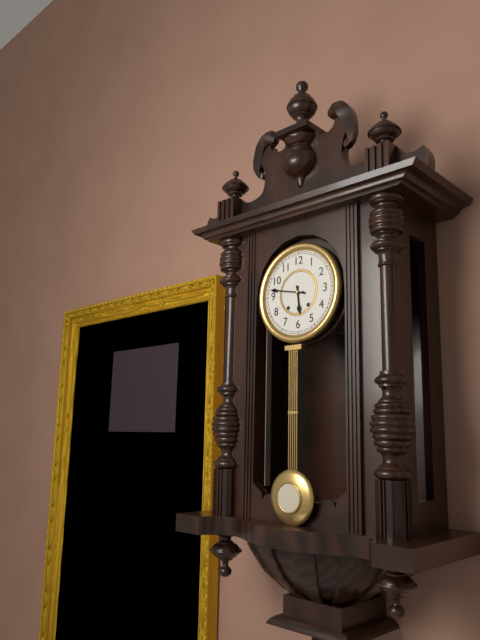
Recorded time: 5.47
